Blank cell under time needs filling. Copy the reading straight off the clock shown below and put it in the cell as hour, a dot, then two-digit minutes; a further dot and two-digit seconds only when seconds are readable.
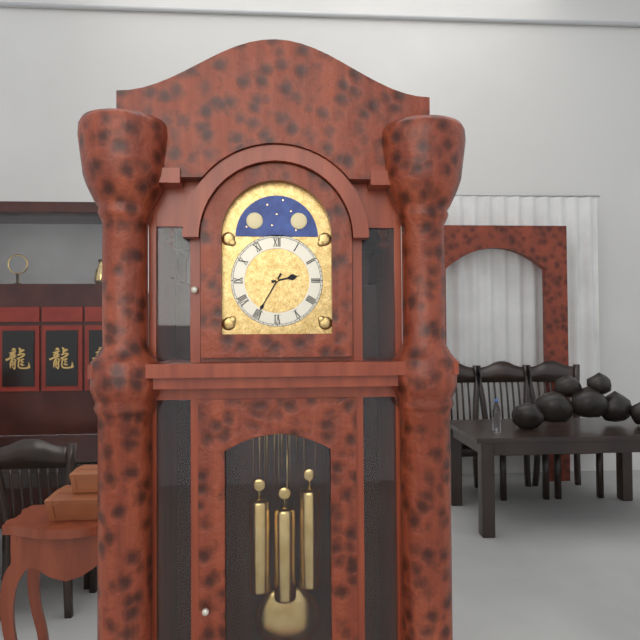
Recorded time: 2.35
